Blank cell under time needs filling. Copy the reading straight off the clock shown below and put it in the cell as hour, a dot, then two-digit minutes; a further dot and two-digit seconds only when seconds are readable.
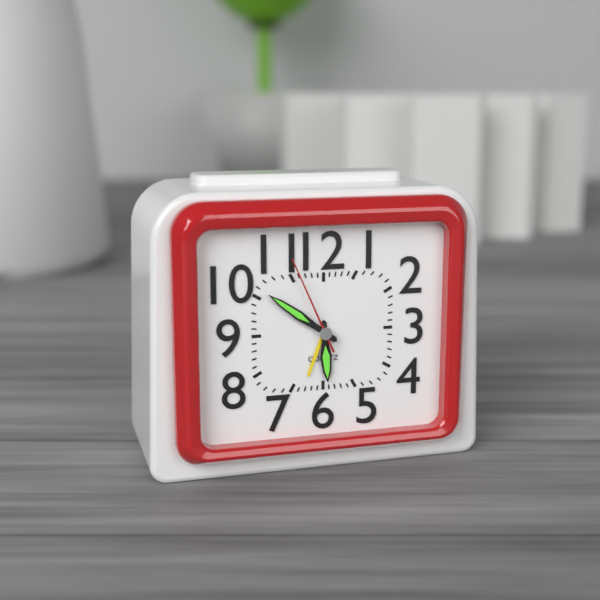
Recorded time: 5.51.56
